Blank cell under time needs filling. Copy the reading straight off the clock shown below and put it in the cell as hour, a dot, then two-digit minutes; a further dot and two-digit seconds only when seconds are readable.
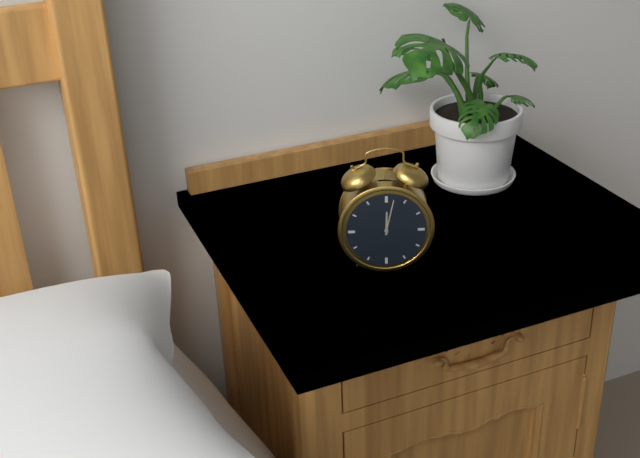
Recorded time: 12.02
